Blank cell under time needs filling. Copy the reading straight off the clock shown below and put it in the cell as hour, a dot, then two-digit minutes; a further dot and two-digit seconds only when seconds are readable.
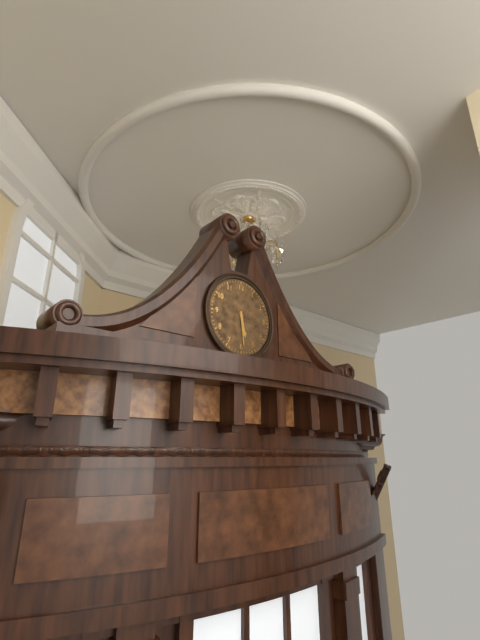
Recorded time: 5.29
